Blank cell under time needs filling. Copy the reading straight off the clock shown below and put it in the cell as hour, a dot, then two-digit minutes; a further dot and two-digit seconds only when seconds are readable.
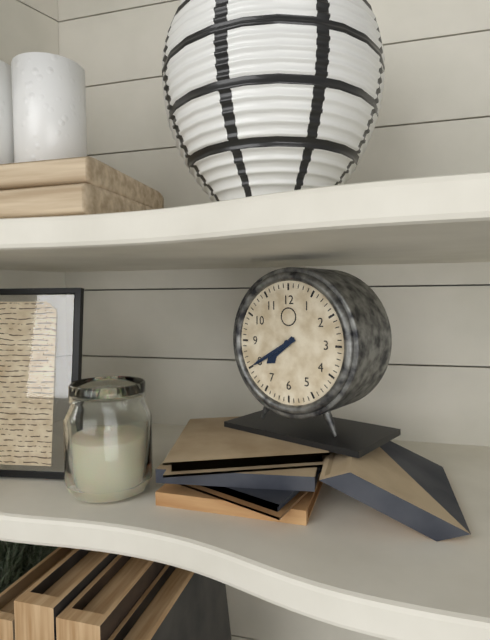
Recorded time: 7.40
